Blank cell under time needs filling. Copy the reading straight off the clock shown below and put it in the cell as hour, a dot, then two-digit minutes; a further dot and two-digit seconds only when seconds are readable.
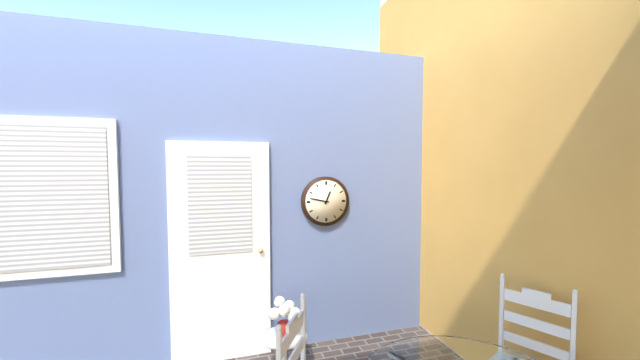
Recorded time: 12.47
